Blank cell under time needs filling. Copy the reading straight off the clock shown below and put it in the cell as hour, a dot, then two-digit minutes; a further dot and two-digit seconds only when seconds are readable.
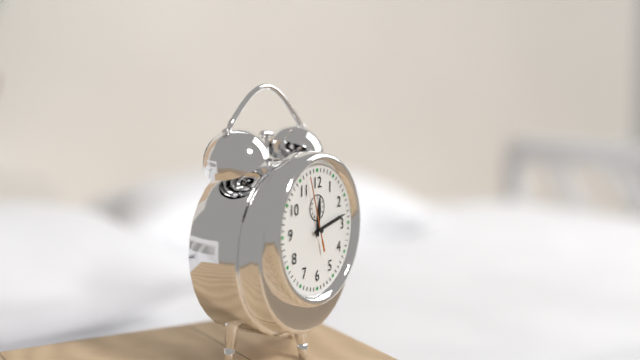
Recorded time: 12.13.57
